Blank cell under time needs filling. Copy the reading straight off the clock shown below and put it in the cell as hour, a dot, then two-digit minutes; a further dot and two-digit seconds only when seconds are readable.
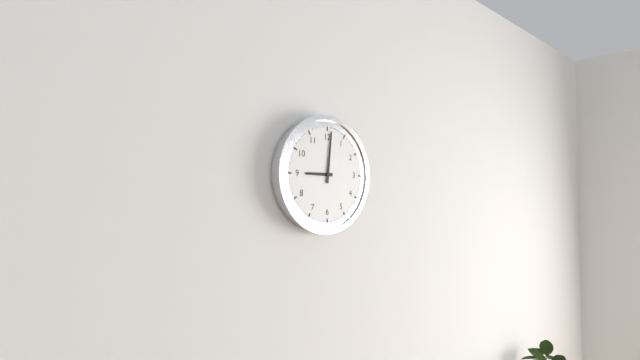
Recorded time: 9.01
